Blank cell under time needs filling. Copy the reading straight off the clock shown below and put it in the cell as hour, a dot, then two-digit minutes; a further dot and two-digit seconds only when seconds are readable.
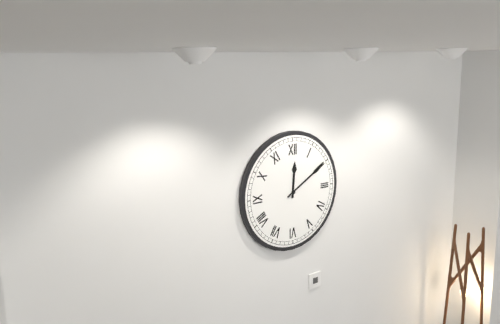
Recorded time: 12.10
